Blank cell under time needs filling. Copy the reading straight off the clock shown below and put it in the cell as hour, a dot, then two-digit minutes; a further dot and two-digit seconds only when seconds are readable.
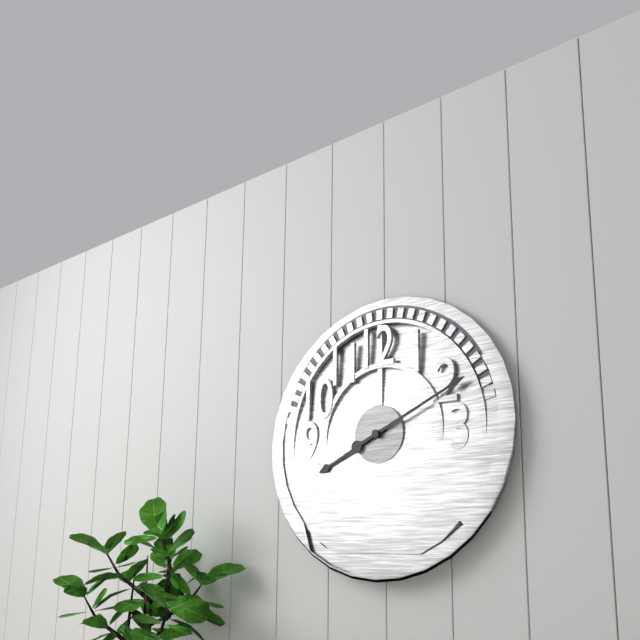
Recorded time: 8.11
